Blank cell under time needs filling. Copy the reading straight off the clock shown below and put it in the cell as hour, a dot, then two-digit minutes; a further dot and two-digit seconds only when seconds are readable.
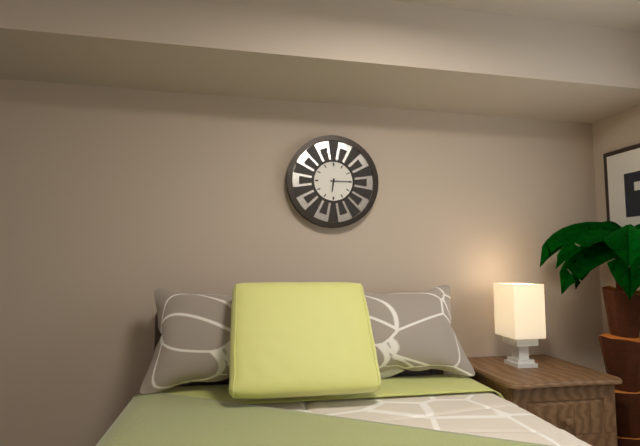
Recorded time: 6.15
